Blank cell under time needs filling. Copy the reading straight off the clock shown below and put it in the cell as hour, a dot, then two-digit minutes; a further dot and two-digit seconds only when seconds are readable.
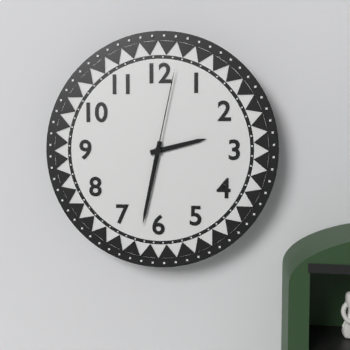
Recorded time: 2.32.02
